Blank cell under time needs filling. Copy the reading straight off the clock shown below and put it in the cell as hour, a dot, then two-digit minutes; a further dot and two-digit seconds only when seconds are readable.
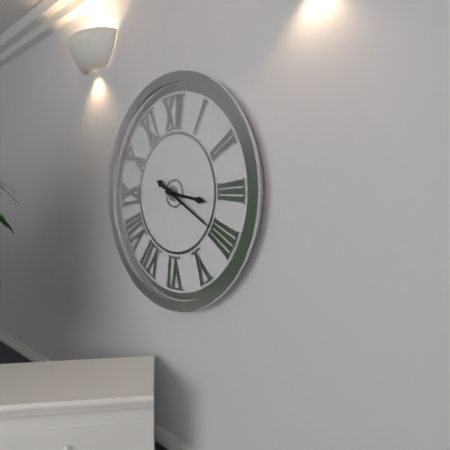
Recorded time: 3.20
